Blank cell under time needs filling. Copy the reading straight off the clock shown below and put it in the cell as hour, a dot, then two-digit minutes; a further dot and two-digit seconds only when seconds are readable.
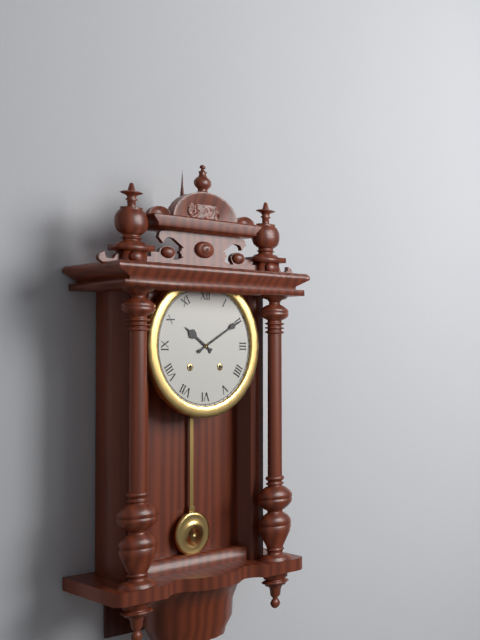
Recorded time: 10.10
